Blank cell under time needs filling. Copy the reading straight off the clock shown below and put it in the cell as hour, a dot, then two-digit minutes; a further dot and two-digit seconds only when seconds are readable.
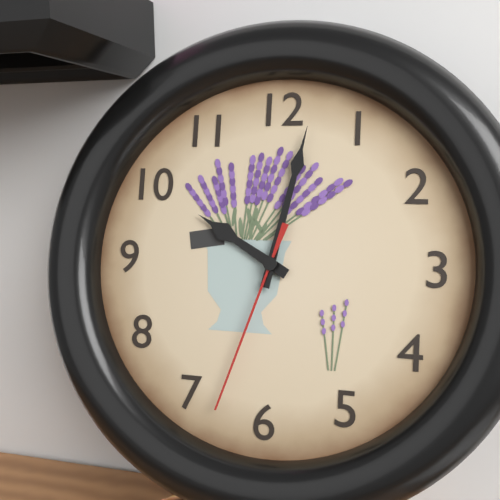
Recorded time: 10.02.33
